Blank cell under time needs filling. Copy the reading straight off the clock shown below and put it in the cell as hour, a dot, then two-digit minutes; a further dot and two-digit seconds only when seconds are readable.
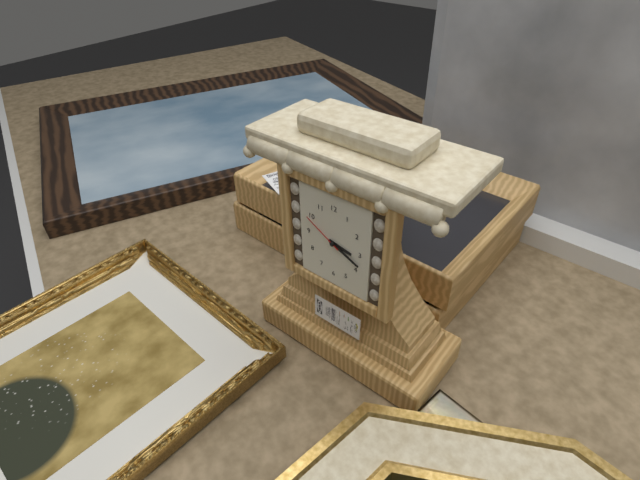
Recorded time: 3.19
